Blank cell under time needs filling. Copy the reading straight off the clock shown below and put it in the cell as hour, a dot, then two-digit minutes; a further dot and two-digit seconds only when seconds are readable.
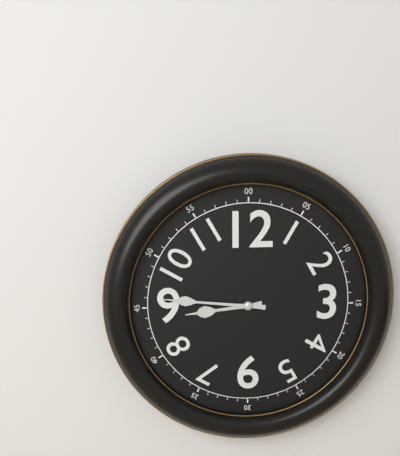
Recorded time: 8.46
